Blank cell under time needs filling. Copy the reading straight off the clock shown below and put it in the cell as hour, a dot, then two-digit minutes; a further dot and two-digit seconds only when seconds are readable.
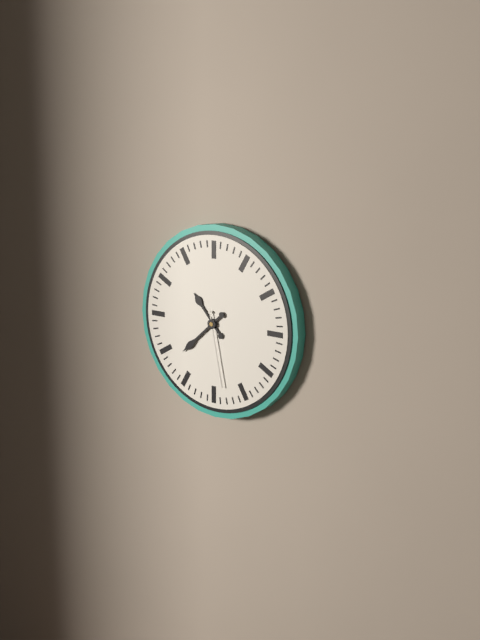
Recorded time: 10.38.28
